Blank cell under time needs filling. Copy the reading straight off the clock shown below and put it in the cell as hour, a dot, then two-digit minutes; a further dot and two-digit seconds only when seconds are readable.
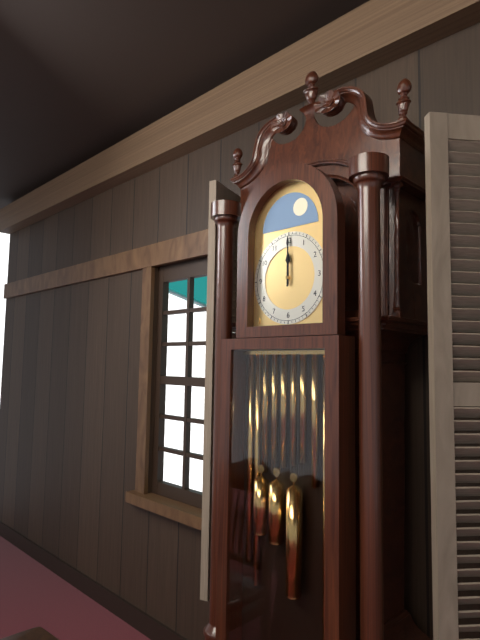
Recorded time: 12.00
